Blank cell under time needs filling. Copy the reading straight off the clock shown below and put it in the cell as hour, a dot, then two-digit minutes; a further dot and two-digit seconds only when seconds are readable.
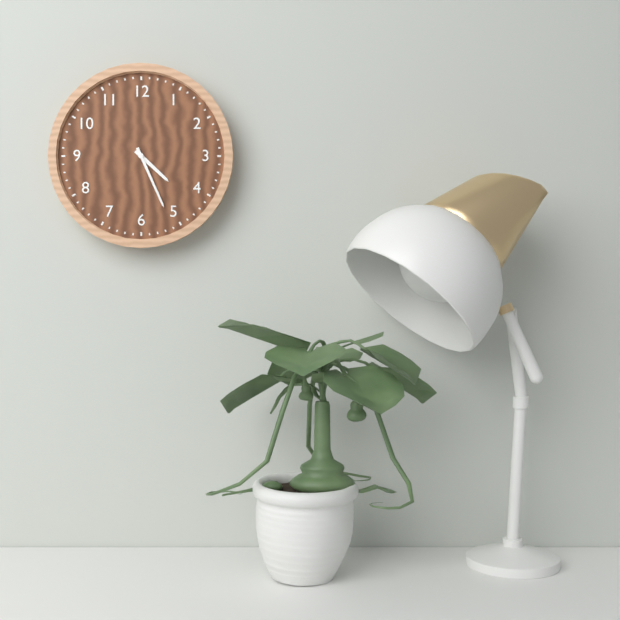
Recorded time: 4.26
